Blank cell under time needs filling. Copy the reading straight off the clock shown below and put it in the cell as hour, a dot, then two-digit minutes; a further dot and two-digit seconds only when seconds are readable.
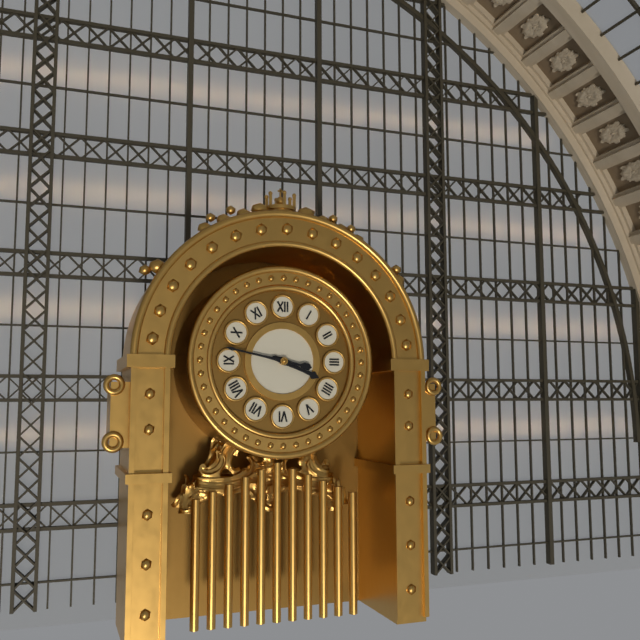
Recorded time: 3.47
